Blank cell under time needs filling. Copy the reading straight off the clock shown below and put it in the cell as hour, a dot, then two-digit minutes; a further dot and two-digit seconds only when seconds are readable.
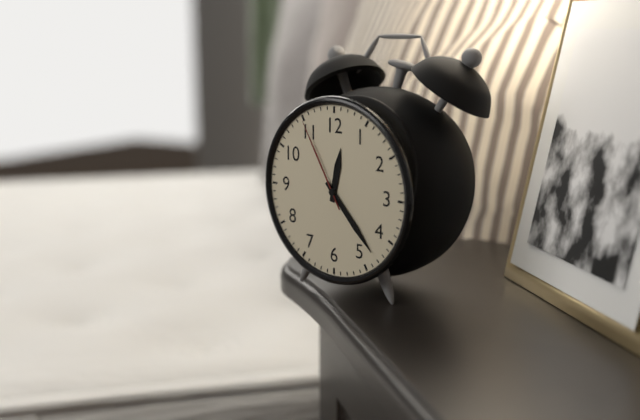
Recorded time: 12.23.55
